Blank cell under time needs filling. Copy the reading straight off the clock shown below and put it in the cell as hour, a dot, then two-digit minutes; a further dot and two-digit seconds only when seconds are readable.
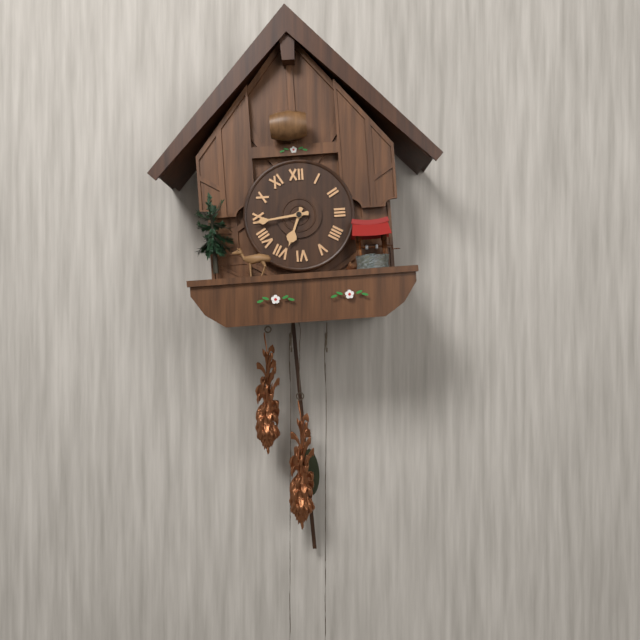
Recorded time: 6.44
